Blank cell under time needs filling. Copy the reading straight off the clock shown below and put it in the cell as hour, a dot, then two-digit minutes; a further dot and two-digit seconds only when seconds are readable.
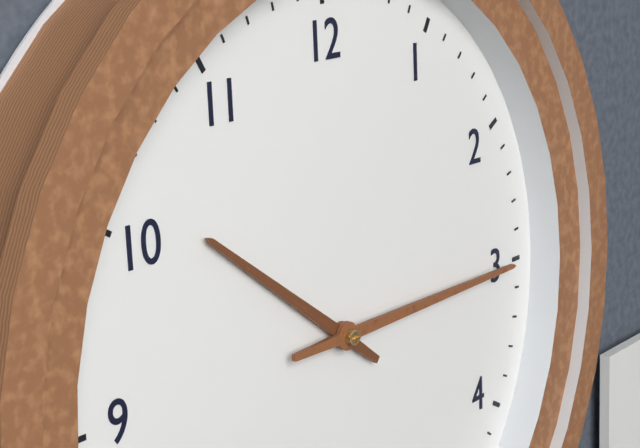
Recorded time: 10.15
